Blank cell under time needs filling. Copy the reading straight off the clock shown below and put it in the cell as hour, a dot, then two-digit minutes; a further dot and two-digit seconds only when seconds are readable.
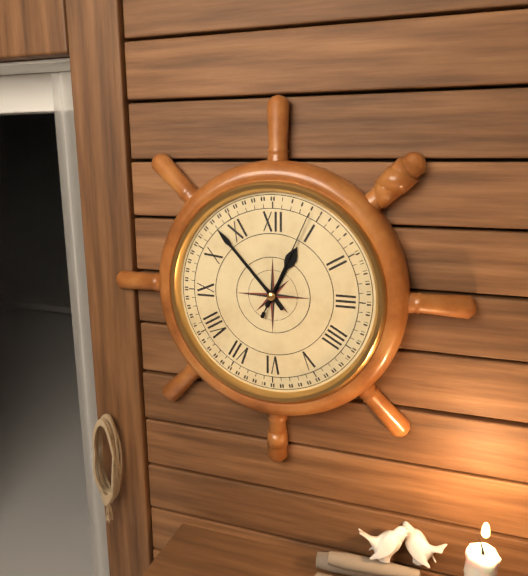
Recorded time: 12.53.04
